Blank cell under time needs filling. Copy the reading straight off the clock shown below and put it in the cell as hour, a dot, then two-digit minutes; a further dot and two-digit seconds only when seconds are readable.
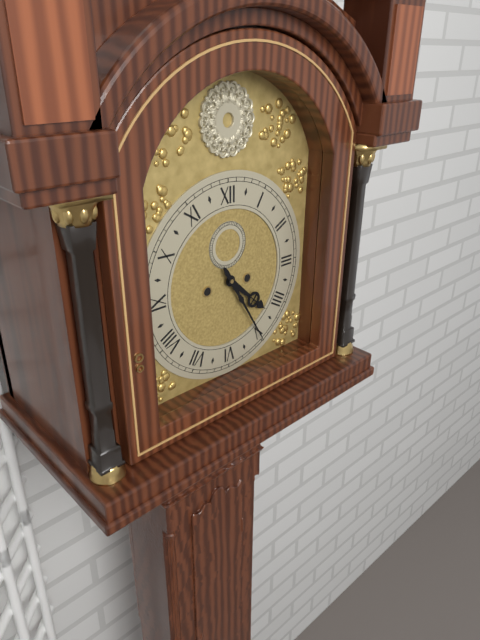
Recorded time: 4.25
